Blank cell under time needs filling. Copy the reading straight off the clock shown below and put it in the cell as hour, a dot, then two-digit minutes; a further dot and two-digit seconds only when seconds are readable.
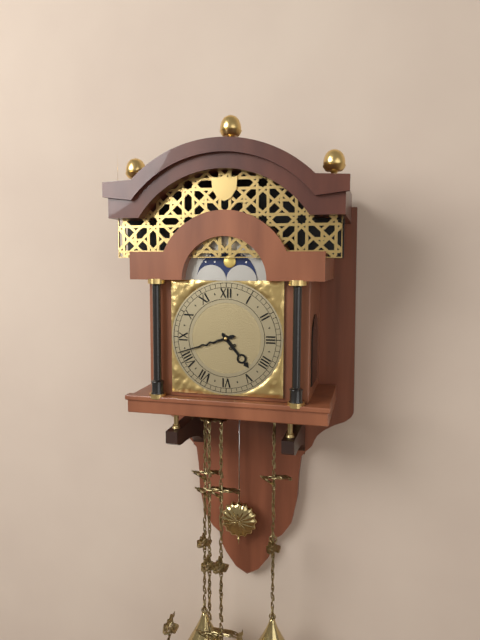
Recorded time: 4.42
